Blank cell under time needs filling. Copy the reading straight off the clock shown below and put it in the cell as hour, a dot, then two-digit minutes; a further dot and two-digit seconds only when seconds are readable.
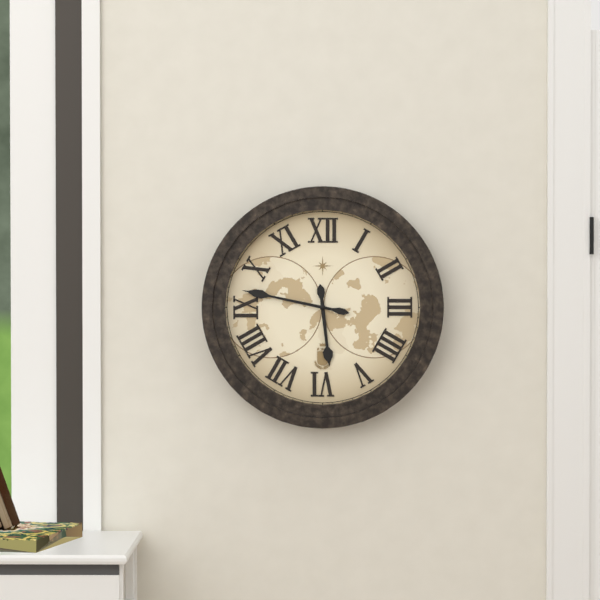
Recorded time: 5.47
